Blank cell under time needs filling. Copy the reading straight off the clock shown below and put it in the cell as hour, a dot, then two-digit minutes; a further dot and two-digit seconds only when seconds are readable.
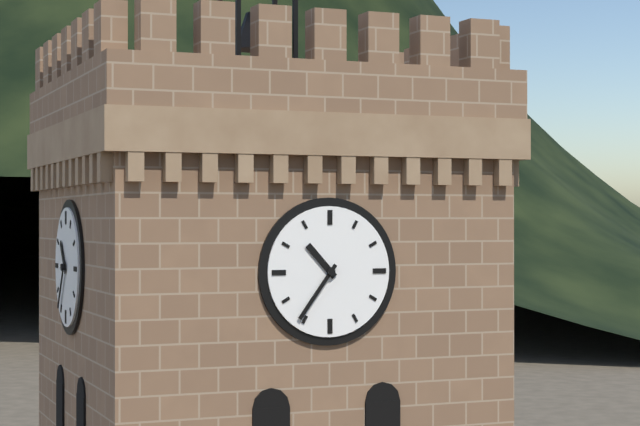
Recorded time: 10.36
